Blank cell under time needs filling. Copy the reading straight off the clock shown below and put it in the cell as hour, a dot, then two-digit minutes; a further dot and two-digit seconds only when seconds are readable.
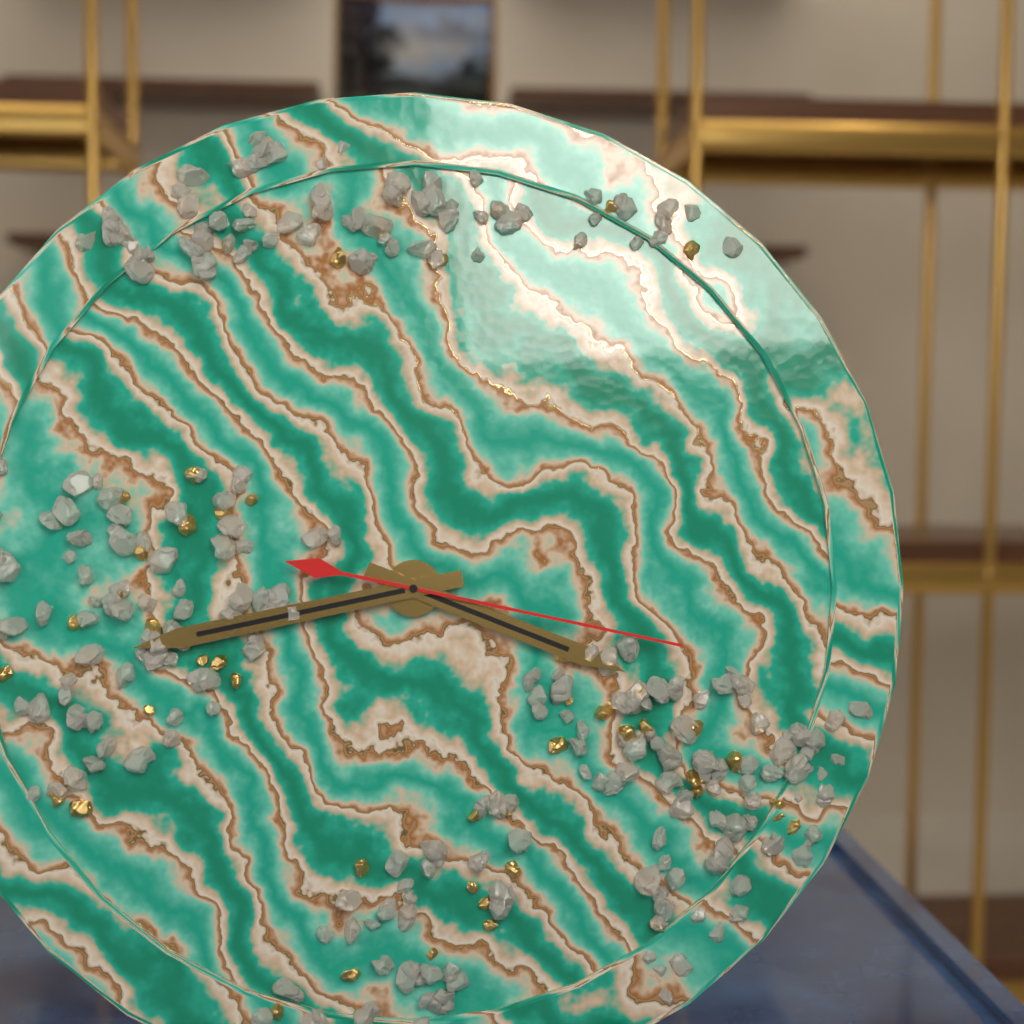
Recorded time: 3.43.17
